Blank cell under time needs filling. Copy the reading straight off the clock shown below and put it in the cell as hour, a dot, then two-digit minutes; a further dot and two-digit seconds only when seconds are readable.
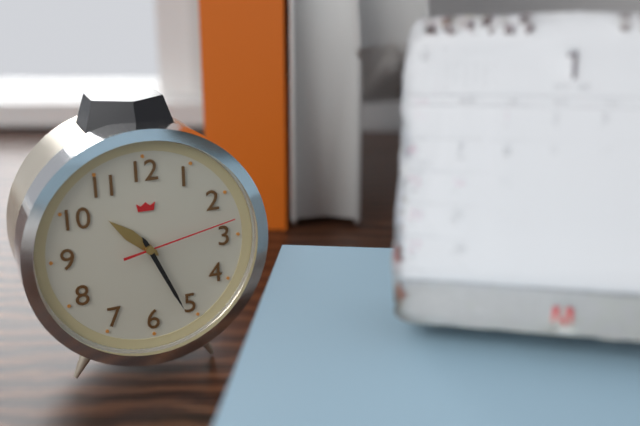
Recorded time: 10.26.13
